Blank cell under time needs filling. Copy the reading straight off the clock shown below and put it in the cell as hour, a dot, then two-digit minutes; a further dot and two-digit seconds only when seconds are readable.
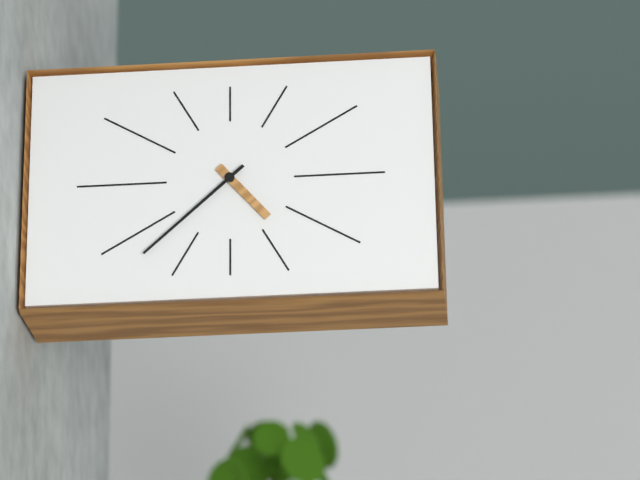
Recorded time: 4.38
